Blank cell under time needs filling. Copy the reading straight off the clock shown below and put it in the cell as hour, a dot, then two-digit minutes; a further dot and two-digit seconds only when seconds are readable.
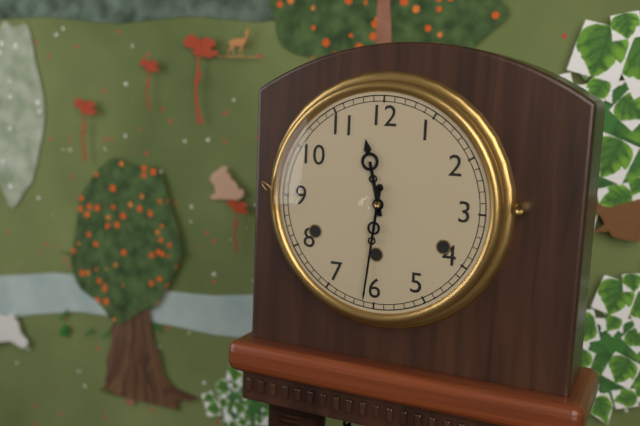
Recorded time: 11.31
